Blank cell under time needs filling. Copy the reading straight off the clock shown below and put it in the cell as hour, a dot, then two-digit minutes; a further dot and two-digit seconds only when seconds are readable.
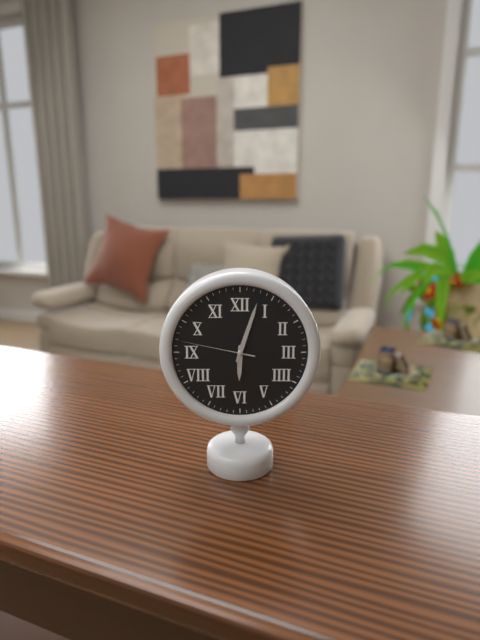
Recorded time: 6.03.47
